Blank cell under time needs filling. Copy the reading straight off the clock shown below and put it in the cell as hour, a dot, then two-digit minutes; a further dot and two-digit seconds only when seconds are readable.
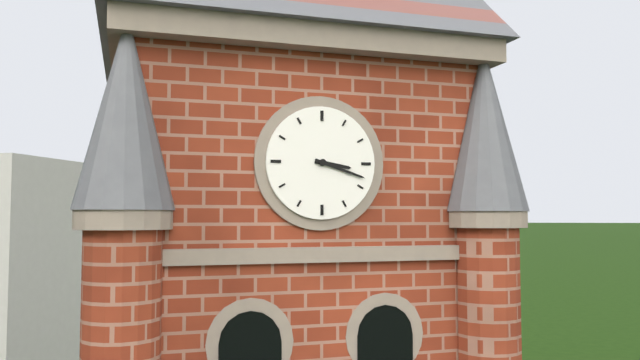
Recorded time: 3.18
